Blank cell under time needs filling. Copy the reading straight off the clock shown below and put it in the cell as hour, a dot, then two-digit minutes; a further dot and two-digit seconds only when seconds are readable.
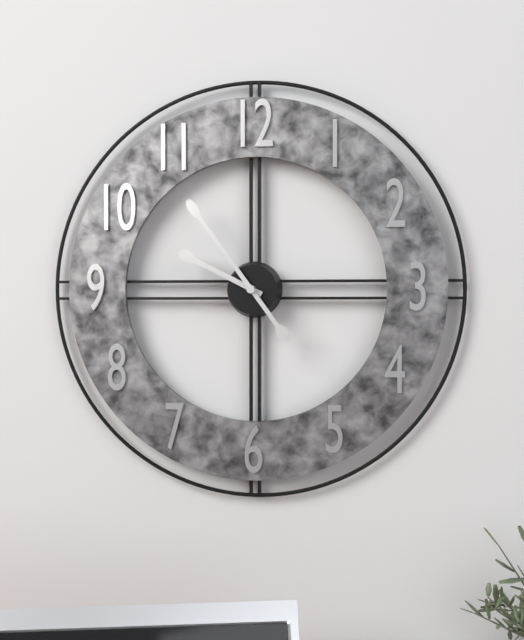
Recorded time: 9.54
